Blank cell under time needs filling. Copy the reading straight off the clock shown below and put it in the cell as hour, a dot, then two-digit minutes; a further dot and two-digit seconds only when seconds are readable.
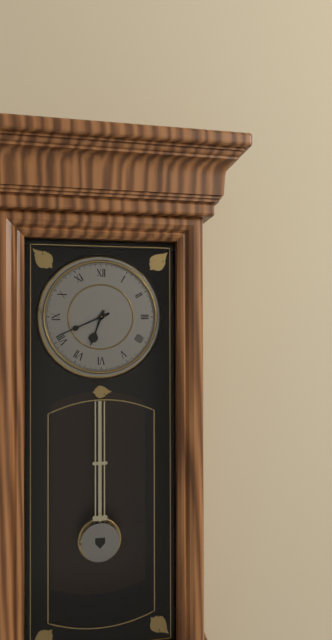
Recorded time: 6.41
